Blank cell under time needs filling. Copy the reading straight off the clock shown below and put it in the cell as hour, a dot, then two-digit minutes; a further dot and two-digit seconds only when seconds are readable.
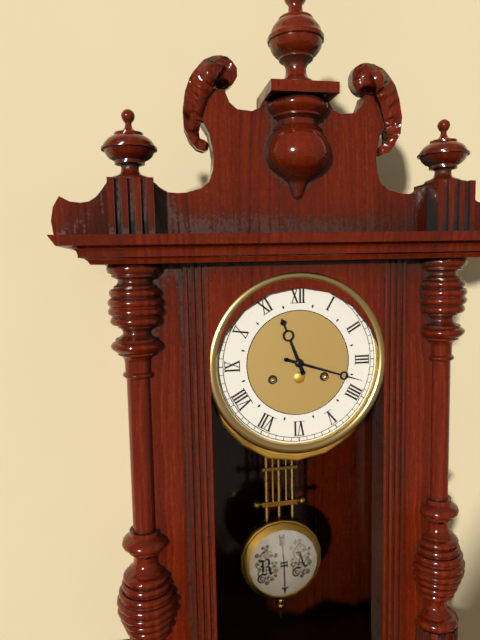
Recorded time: 11.18
